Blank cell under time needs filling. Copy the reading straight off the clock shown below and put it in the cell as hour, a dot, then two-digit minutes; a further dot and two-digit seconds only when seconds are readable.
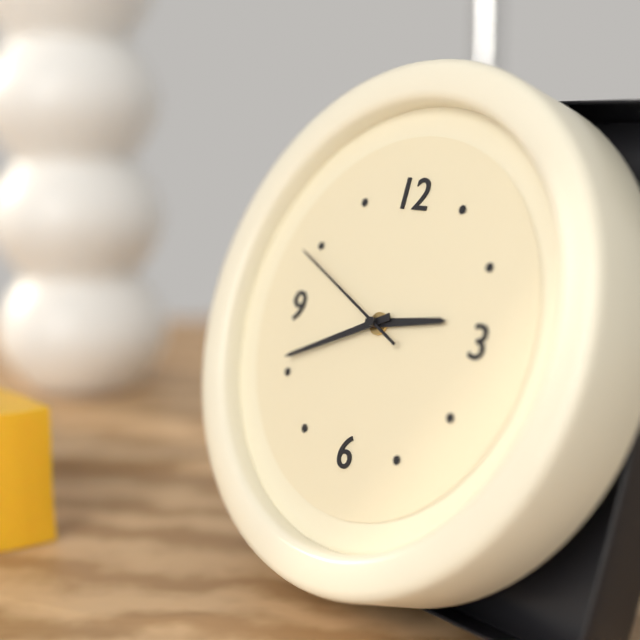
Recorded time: 2.41.49
